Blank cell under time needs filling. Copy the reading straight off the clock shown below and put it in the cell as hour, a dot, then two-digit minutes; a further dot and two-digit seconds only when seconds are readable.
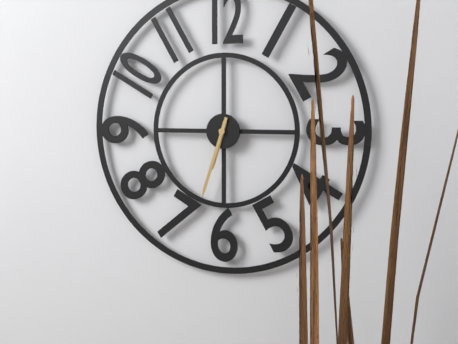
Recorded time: 6.33
